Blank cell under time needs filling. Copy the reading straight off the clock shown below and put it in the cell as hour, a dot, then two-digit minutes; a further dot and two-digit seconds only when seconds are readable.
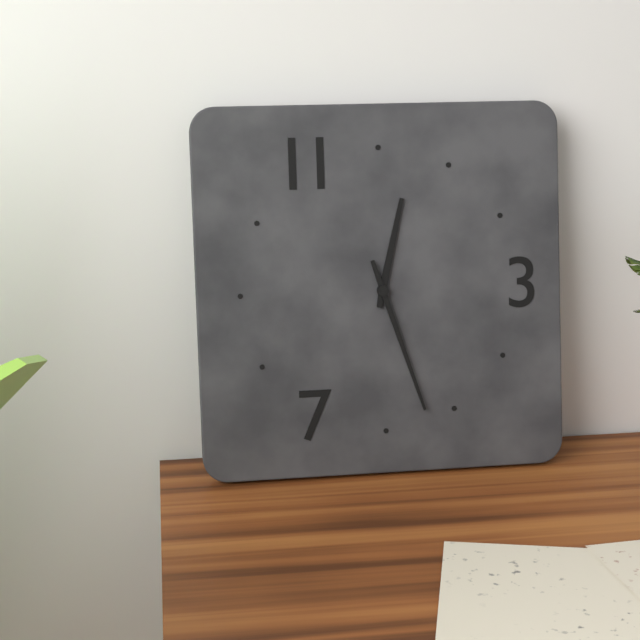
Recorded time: 12.27
